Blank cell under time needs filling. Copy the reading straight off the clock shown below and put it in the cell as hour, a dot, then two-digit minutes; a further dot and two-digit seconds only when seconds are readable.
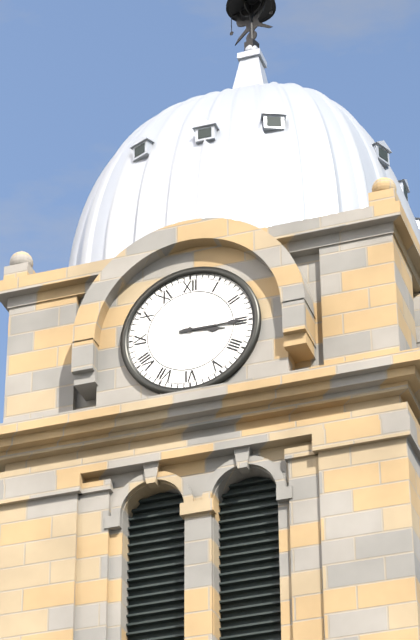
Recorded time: 3.15
